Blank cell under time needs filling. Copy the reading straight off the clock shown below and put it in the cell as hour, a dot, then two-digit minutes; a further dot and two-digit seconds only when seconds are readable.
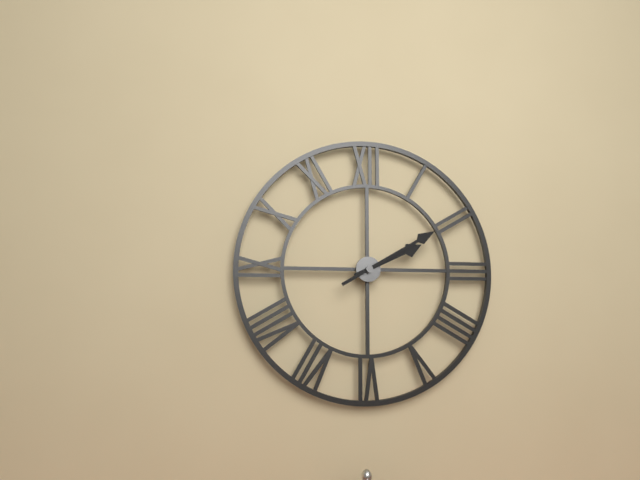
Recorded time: 2.10
